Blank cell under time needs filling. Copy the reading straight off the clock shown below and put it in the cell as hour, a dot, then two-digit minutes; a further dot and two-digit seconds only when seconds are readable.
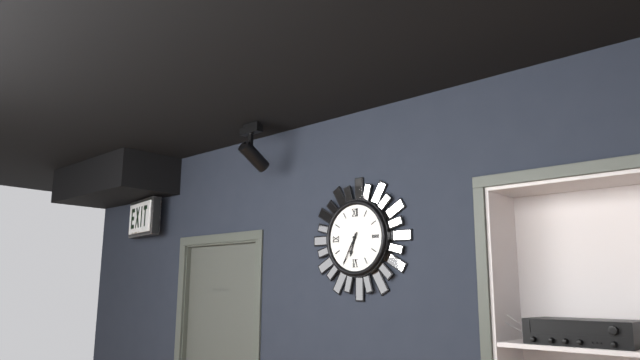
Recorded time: 6.35
